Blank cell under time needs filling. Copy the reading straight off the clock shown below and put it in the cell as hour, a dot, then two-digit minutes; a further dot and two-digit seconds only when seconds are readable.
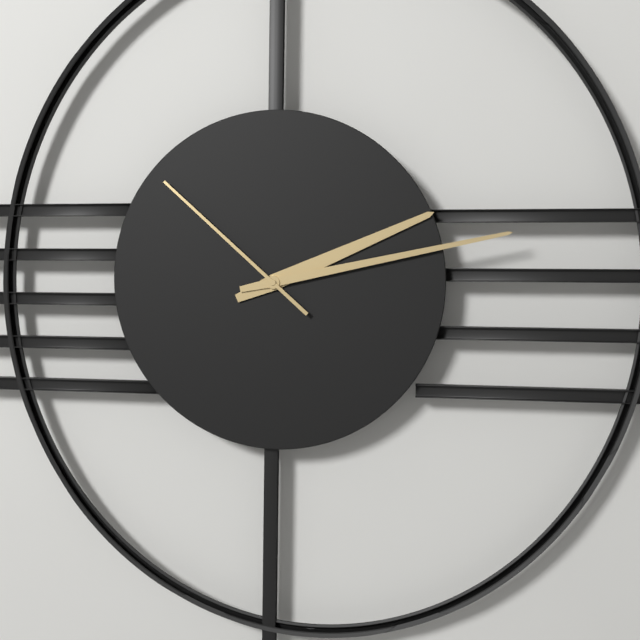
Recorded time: 2.13.52
